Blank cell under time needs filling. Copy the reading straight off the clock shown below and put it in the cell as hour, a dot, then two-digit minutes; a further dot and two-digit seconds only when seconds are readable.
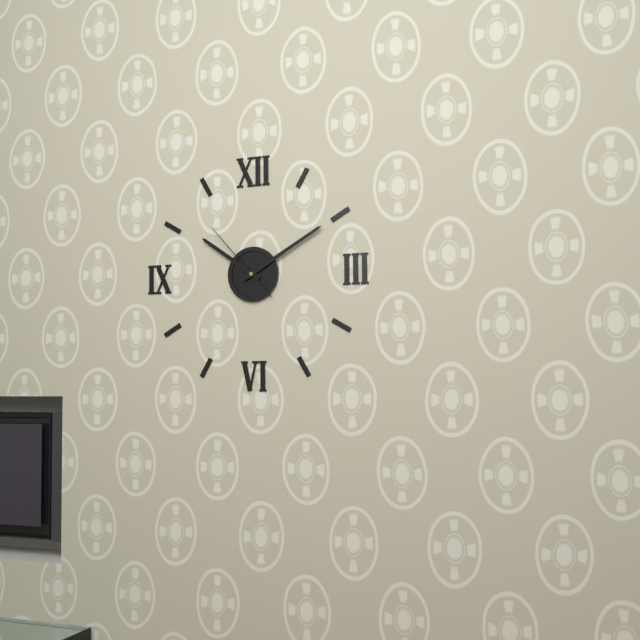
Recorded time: 10.10.53
